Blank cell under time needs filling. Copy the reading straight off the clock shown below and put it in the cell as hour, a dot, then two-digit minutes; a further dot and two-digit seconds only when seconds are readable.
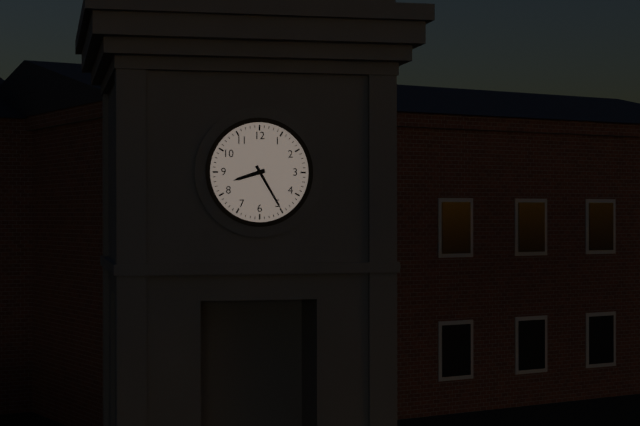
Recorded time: 8.25
